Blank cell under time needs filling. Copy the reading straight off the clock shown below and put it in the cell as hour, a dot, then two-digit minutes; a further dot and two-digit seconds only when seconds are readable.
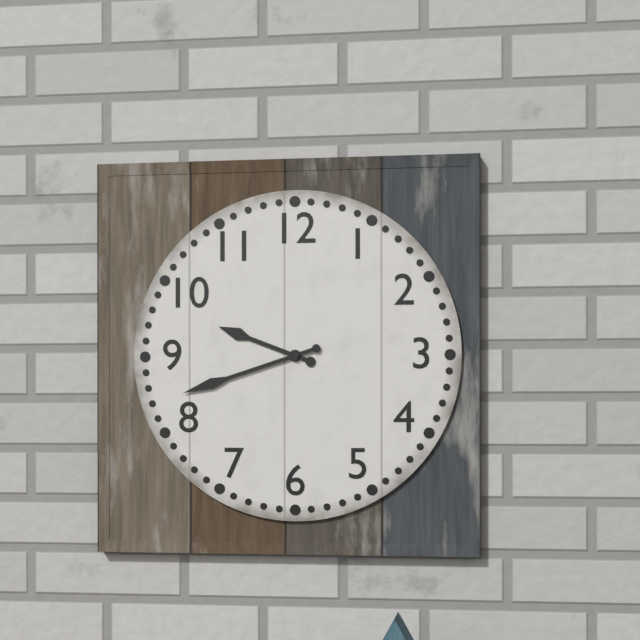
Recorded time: 9.42
